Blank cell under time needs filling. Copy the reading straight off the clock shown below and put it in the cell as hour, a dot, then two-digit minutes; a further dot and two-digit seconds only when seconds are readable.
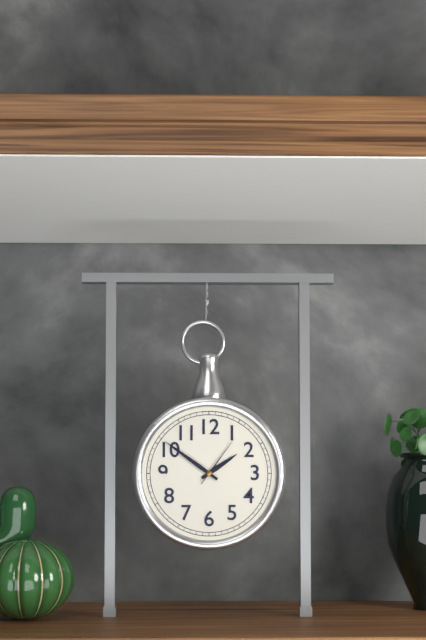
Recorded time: 1.51.06
